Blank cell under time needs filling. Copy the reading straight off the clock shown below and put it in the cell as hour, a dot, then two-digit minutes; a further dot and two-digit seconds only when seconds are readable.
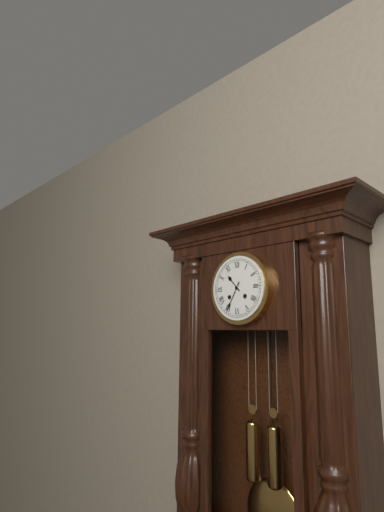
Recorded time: 10.35
